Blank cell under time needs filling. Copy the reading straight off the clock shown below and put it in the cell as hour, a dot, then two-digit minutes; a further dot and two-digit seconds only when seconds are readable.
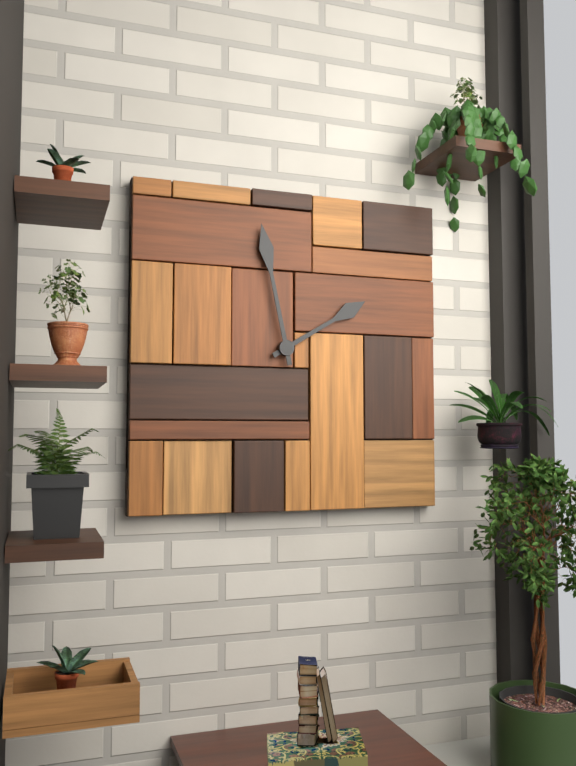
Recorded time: 1.58
